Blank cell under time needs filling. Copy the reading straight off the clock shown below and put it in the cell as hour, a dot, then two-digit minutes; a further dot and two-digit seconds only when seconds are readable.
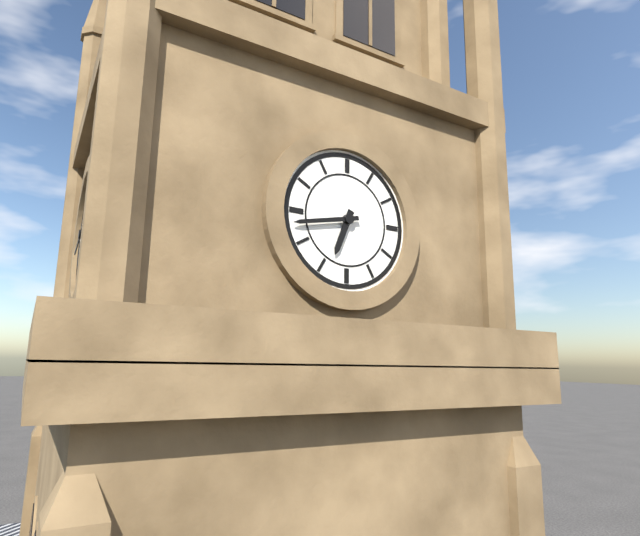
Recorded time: 6.43
